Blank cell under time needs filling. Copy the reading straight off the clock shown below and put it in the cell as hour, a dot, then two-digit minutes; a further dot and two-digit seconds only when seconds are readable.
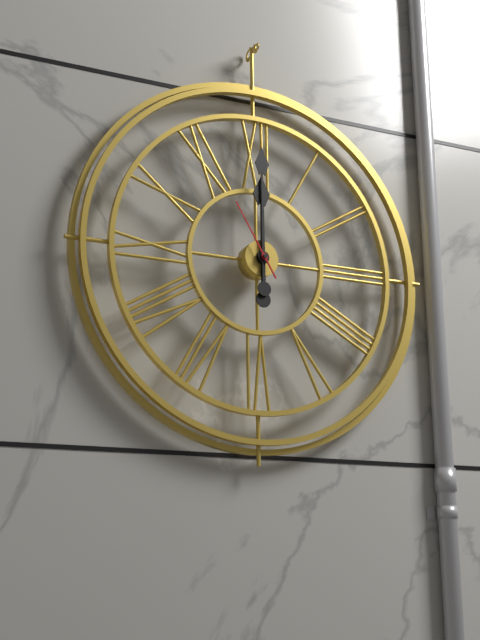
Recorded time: 12.00.55
